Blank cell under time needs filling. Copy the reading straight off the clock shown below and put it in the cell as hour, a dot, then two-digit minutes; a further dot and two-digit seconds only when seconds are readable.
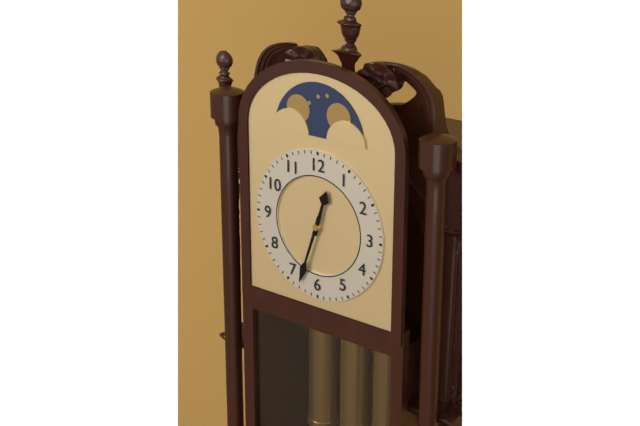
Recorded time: 12.33
